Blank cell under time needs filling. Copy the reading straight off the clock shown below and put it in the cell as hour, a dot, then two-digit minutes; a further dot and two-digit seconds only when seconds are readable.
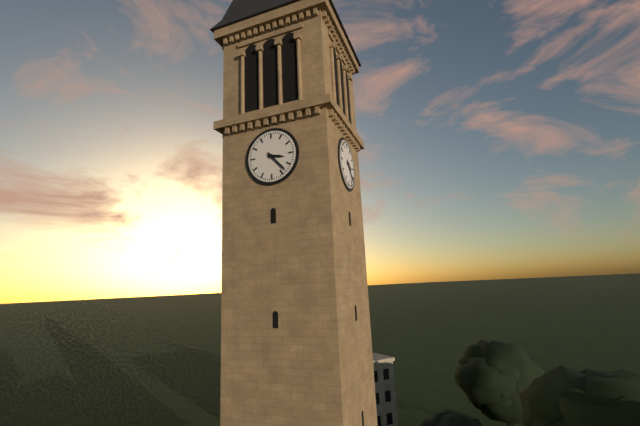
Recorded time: 3.23
